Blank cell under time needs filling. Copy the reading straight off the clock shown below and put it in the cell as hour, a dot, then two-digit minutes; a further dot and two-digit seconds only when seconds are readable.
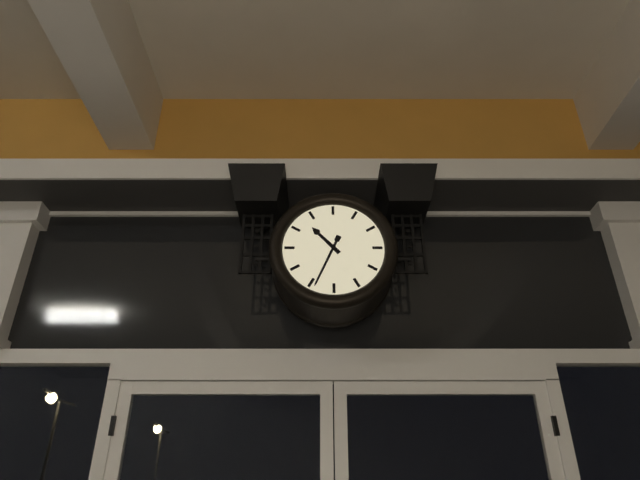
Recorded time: 10.34
